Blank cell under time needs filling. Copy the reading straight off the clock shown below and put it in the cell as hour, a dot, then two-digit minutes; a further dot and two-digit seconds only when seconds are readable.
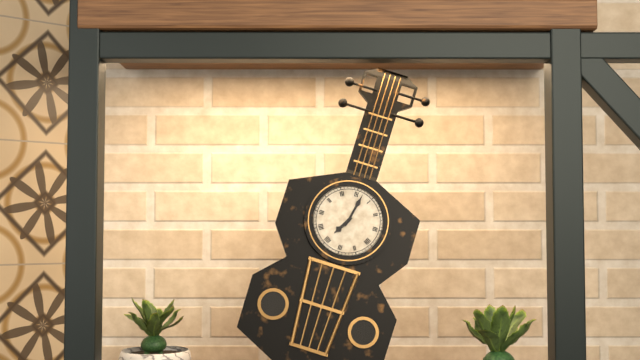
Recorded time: 7.02
